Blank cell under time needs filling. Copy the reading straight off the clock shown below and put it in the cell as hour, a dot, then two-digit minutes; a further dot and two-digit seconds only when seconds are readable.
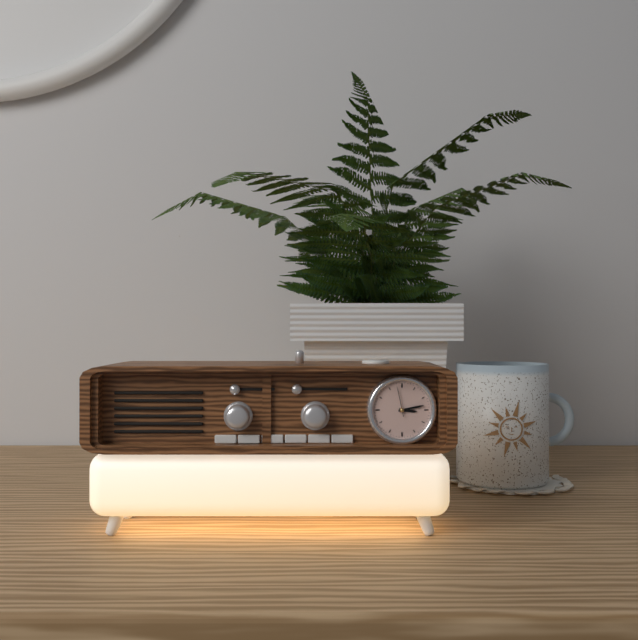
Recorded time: 3.13
